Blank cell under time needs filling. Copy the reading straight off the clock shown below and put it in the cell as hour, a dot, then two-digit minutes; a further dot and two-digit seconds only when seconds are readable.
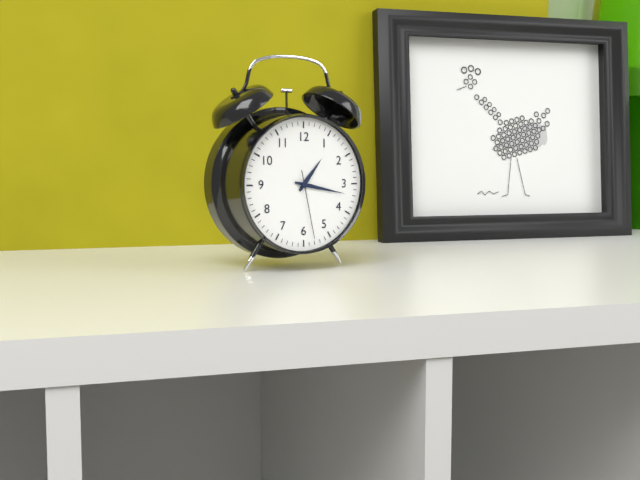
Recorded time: 1.17.28
